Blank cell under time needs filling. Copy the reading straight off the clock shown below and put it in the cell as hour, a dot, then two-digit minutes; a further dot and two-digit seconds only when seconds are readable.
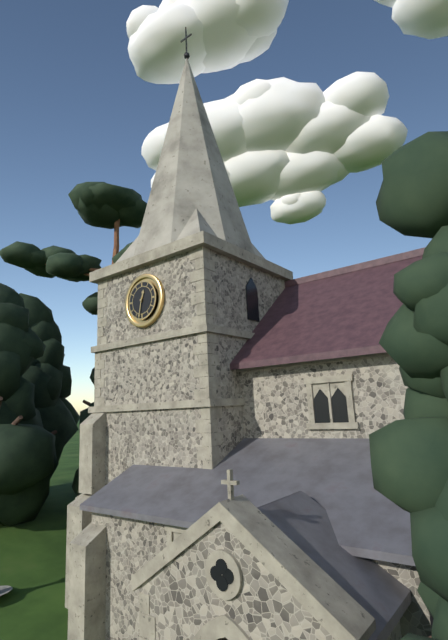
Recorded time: 12.32
